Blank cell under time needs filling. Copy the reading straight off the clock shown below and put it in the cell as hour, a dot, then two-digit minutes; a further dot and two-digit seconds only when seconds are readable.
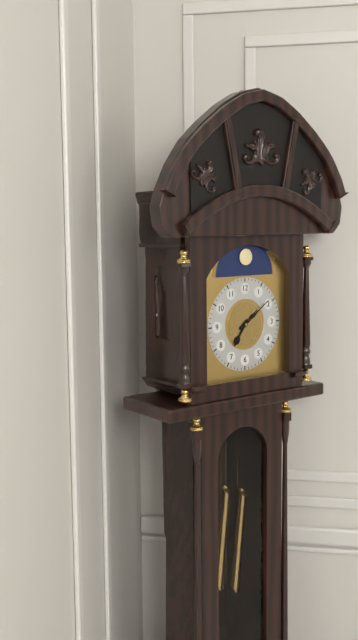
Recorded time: 7.09
